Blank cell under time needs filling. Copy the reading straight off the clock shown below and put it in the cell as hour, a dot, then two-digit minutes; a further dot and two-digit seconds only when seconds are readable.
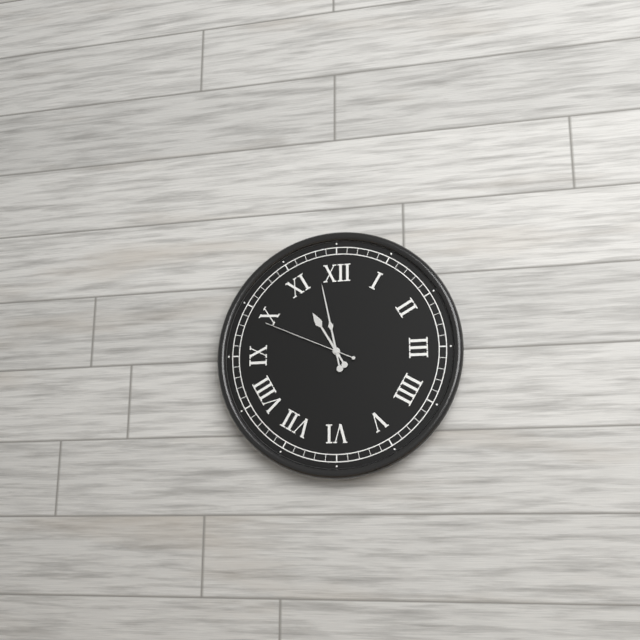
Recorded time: 10.58.49
